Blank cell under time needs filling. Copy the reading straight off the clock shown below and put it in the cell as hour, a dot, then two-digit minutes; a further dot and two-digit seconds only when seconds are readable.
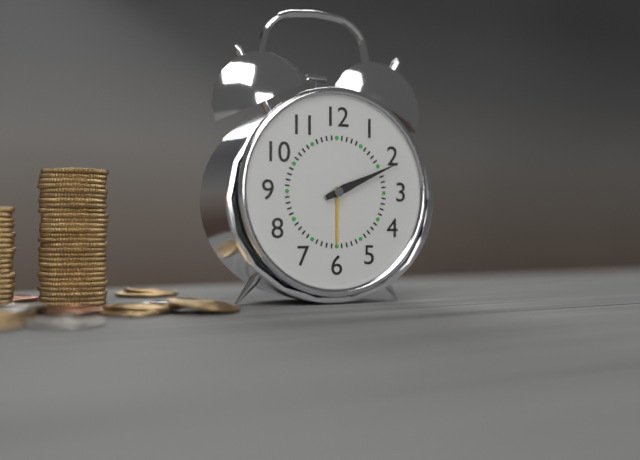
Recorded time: 2.11
